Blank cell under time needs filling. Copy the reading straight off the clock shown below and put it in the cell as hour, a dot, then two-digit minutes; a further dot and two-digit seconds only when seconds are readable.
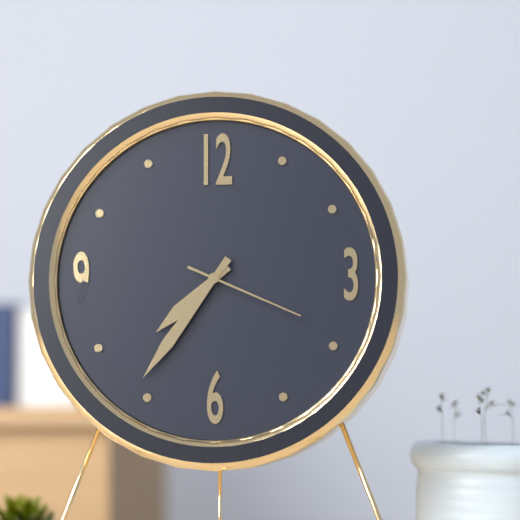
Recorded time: 7.36.19
